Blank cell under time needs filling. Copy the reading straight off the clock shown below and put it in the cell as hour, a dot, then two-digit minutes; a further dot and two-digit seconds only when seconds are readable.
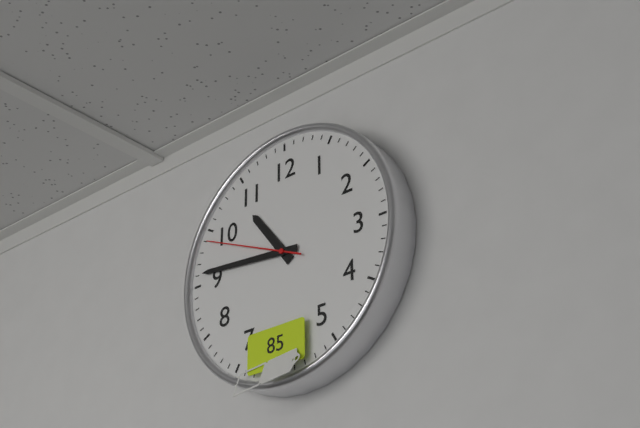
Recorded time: 10.46.49
